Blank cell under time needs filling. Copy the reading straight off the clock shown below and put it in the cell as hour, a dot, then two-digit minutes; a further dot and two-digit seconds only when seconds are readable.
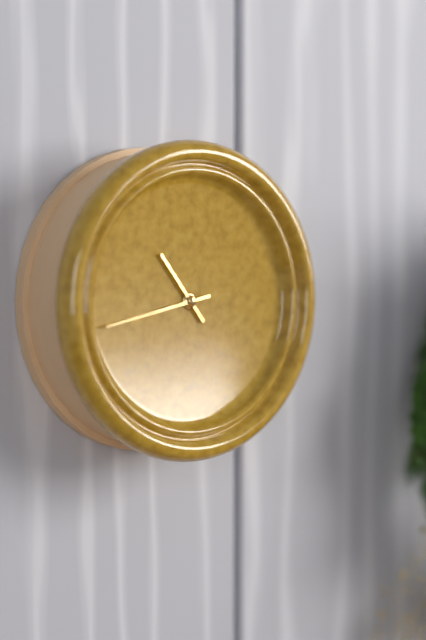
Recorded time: 10.43
